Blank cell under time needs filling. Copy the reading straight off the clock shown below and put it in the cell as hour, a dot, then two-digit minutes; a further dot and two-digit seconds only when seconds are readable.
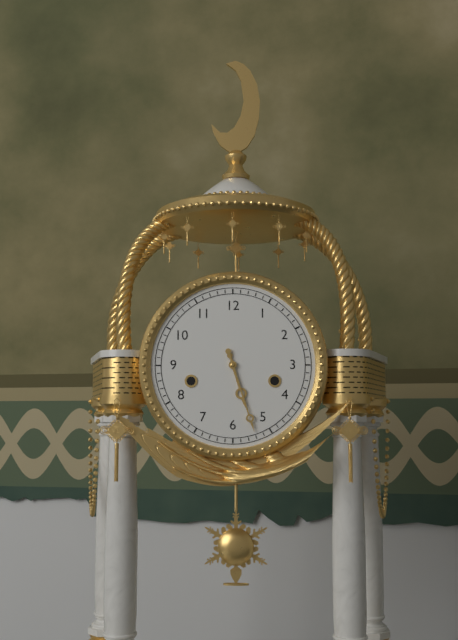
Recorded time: 5.27
